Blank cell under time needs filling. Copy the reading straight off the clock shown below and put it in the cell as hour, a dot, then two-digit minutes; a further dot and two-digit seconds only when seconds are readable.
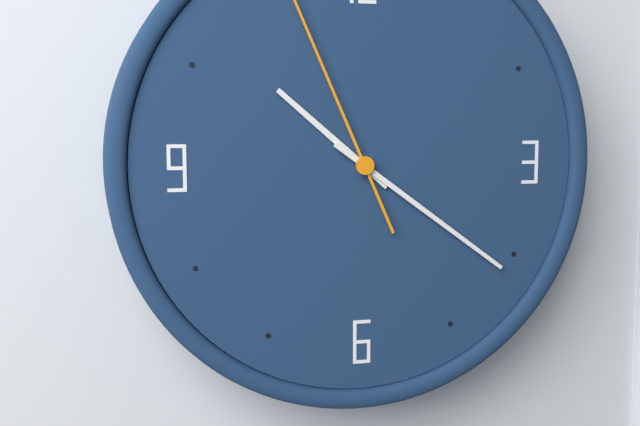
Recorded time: 10.21
